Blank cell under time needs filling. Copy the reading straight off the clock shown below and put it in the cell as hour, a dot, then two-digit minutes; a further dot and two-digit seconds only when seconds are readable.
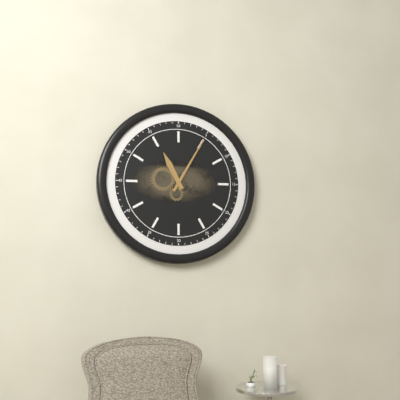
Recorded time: 11.05
